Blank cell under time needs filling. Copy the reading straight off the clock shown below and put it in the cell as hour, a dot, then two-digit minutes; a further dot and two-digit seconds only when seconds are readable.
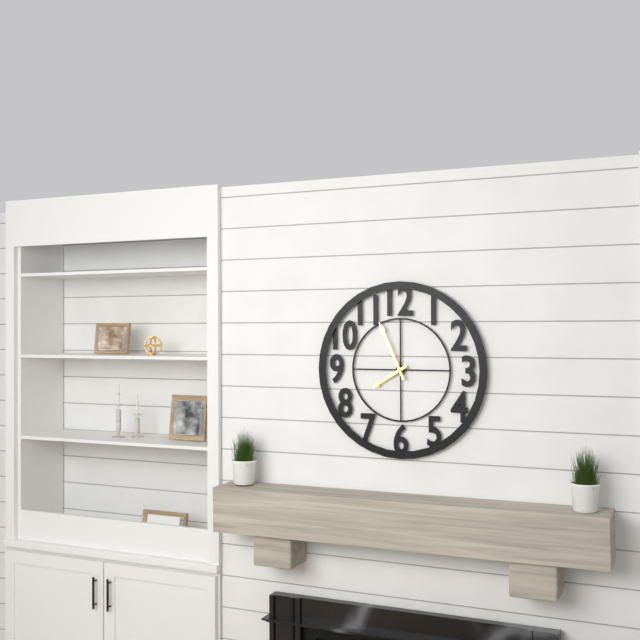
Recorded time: 7.56
